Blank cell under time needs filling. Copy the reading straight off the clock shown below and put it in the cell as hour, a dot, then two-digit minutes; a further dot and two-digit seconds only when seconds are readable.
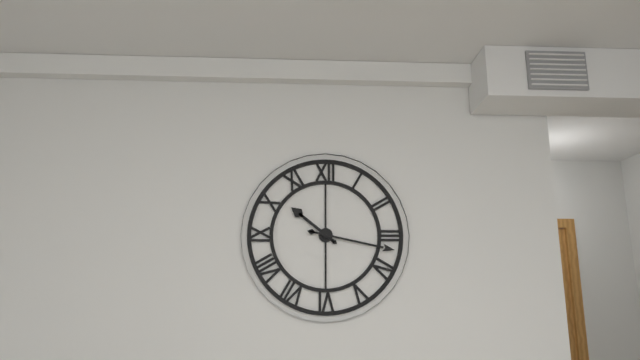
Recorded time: 10.17
